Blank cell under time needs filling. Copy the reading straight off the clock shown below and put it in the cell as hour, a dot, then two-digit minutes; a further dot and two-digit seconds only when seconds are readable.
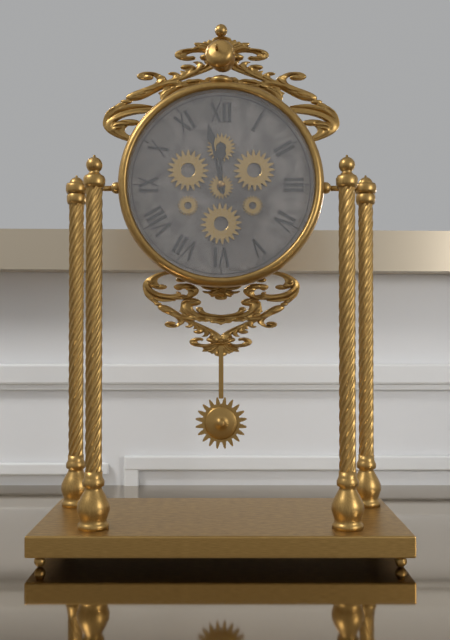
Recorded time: 11.58
